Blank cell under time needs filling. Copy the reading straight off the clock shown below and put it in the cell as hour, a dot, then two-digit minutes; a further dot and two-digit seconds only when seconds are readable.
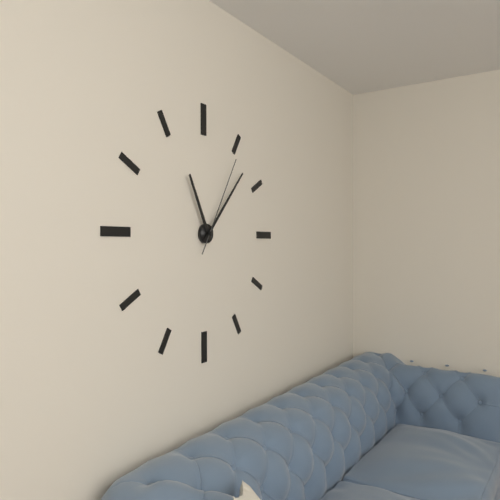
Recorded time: 11.07.05
